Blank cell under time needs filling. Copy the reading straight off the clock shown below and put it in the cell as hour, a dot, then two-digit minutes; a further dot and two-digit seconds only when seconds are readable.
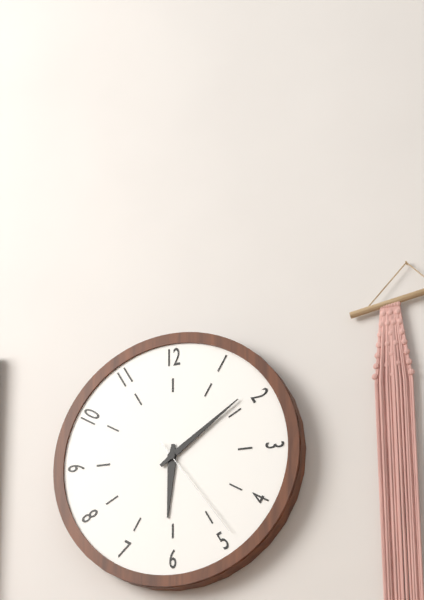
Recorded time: 6.09.24
